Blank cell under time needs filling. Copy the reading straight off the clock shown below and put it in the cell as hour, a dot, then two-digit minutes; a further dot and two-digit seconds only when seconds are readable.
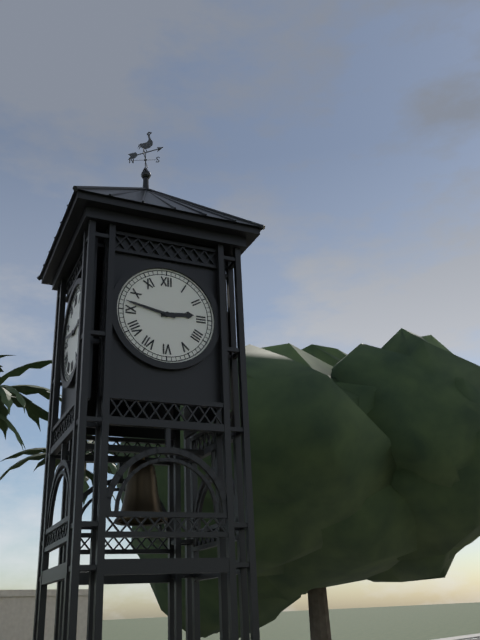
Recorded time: 2.47
